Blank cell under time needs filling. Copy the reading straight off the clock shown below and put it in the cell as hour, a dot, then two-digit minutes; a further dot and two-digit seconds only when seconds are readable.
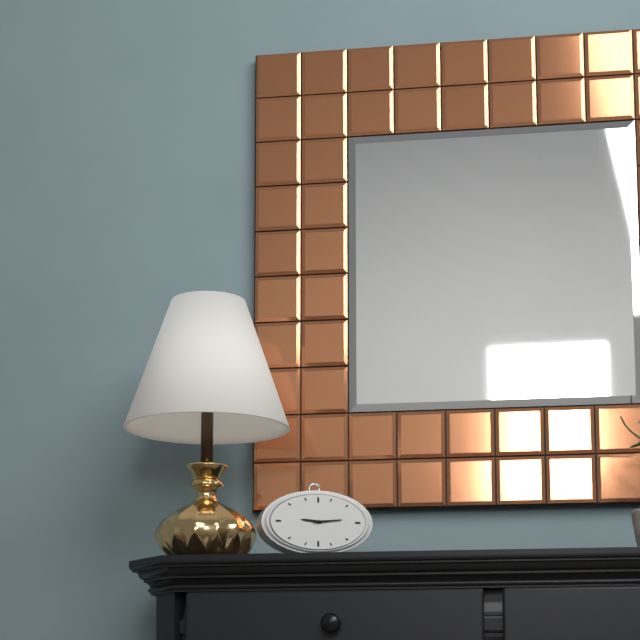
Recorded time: 9.14
